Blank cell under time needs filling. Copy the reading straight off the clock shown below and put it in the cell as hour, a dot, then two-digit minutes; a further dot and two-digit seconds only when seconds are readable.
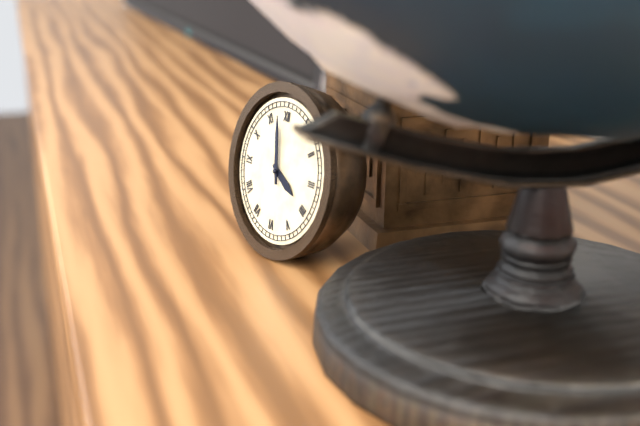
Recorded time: 3.58
